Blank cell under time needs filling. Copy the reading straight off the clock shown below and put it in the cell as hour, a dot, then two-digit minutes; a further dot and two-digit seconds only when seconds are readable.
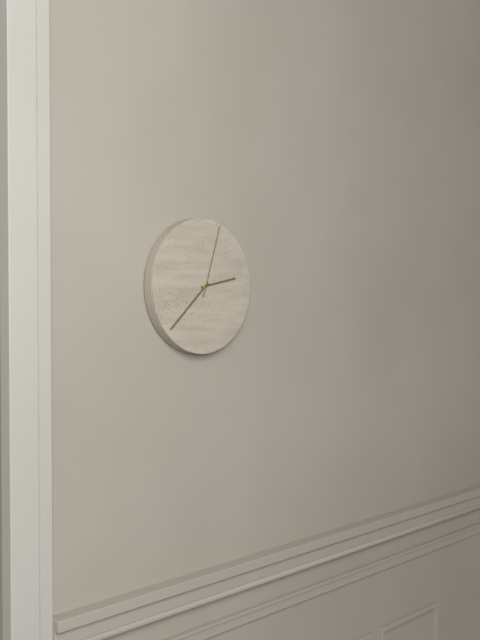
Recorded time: 2.38.03
